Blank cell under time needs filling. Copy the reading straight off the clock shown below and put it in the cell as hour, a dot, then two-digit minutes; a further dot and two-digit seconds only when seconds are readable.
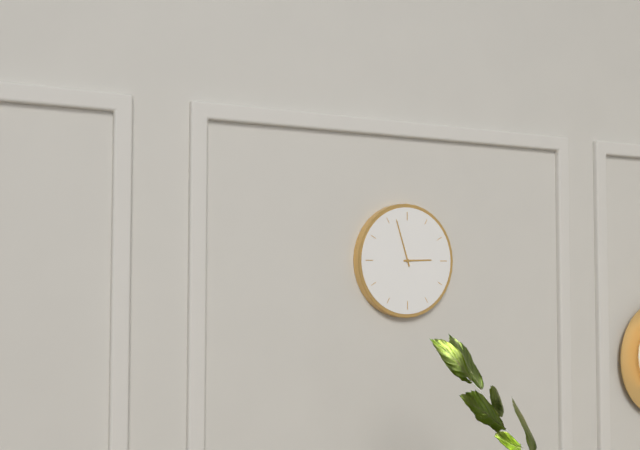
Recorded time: 2.57
